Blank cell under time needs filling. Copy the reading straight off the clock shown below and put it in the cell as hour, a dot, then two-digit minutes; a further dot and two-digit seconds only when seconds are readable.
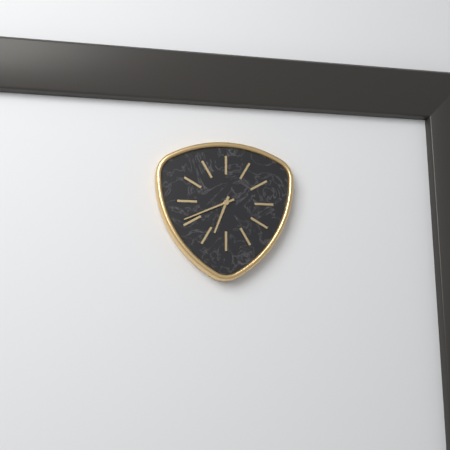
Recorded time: 6.41
